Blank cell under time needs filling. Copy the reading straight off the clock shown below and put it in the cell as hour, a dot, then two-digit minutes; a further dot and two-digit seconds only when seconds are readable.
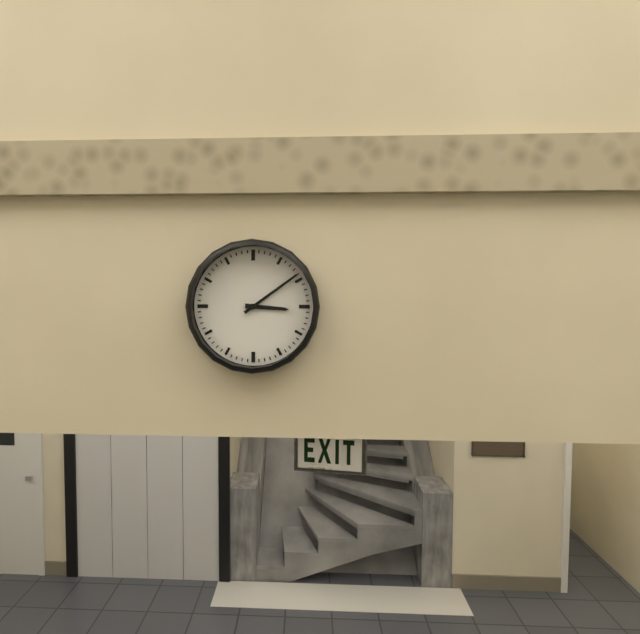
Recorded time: 3.09
